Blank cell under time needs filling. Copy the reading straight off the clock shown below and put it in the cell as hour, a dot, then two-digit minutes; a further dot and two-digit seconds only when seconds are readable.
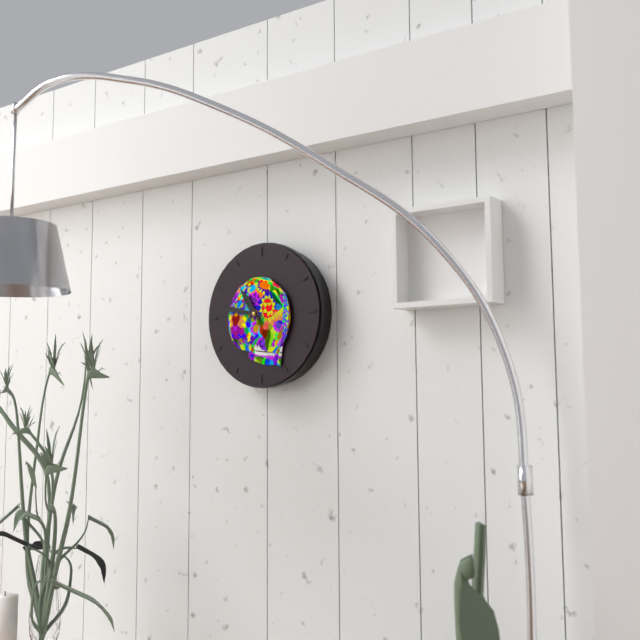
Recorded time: 10.47
